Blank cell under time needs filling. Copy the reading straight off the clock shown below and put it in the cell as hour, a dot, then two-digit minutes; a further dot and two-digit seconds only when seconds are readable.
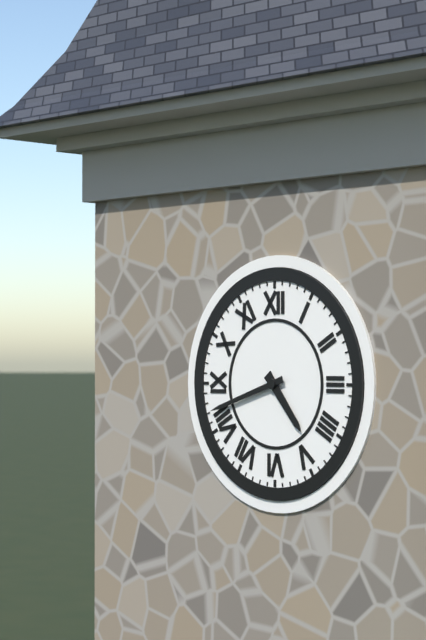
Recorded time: 4.42
